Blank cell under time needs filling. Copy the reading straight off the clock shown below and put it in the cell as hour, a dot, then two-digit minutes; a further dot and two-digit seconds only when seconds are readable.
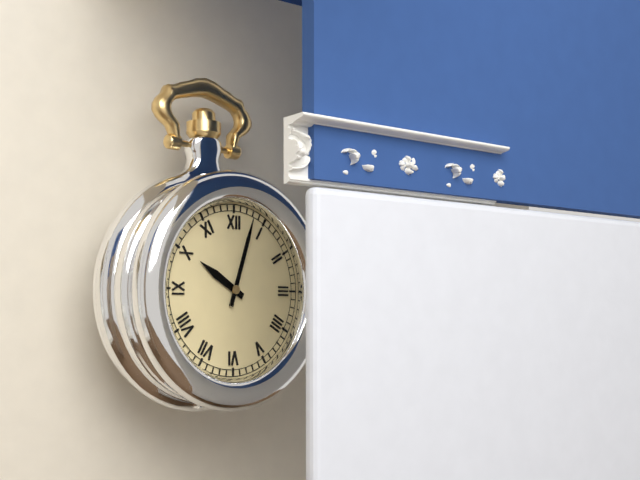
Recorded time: 10.03
